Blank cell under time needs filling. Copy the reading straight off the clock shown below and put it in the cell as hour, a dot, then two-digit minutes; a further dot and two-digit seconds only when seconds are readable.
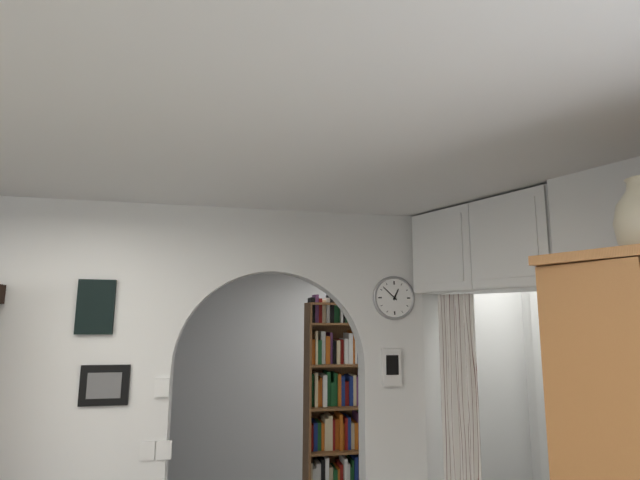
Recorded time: 12.52
